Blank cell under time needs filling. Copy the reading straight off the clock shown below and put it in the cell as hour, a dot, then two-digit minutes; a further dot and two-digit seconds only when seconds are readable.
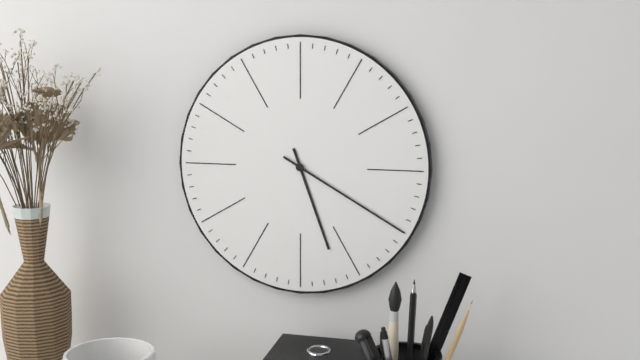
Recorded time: 5.20
